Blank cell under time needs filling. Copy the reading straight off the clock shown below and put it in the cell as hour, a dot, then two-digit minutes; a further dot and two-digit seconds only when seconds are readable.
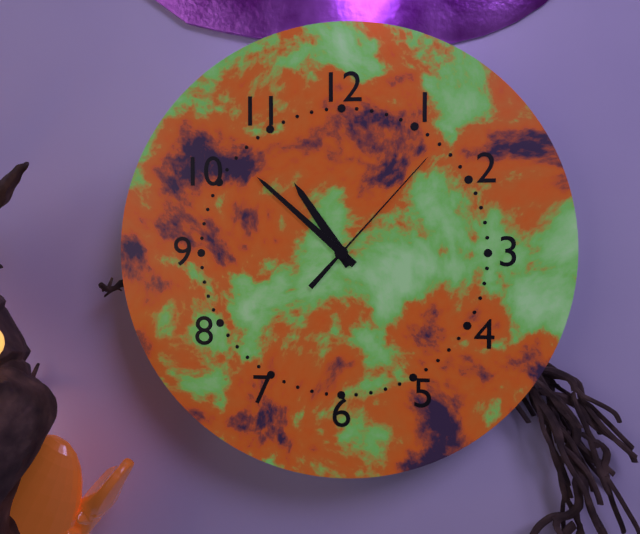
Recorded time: 10.52.07
